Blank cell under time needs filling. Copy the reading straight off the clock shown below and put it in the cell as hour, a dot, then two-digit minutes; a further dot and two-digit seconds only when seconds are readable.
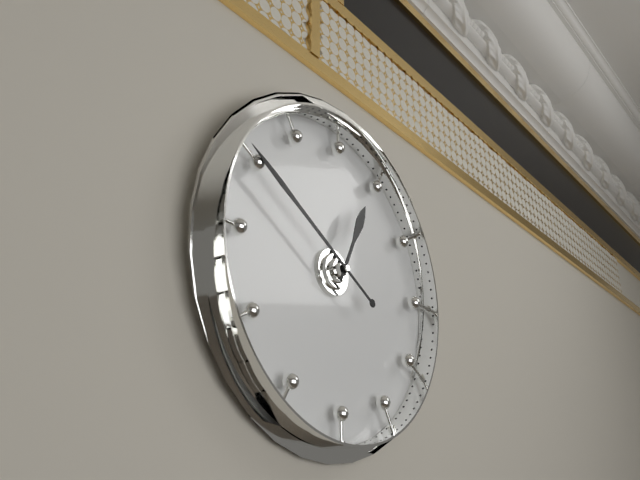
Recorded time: 12.50
